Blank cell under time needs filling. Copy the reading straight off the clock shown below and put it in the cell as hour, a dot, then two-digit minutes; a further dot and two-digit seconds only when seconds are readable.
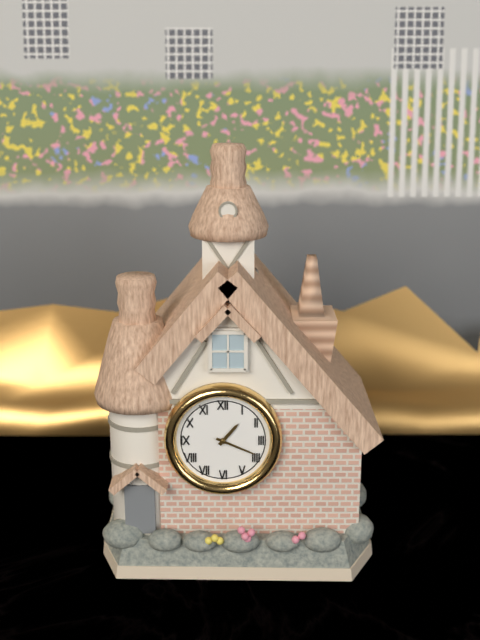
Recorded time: 1.19
